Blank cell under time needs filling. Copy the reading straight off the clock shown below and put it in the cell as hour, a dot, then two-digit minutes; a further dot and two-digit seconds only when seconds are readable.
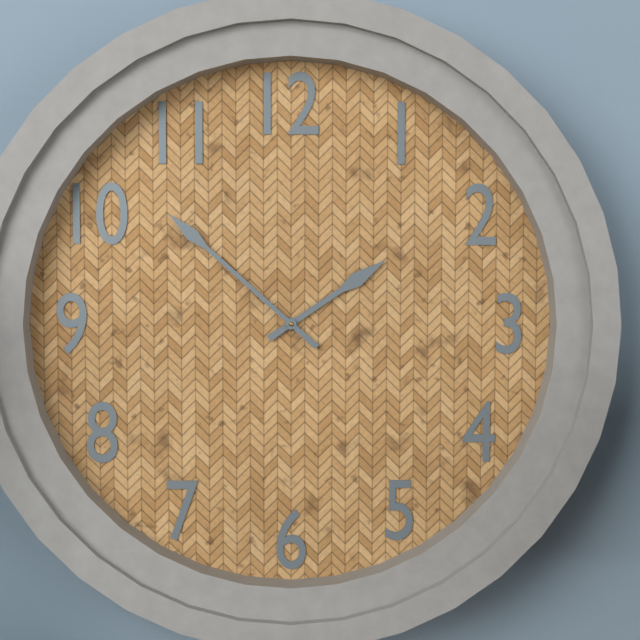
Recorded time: 1.52
